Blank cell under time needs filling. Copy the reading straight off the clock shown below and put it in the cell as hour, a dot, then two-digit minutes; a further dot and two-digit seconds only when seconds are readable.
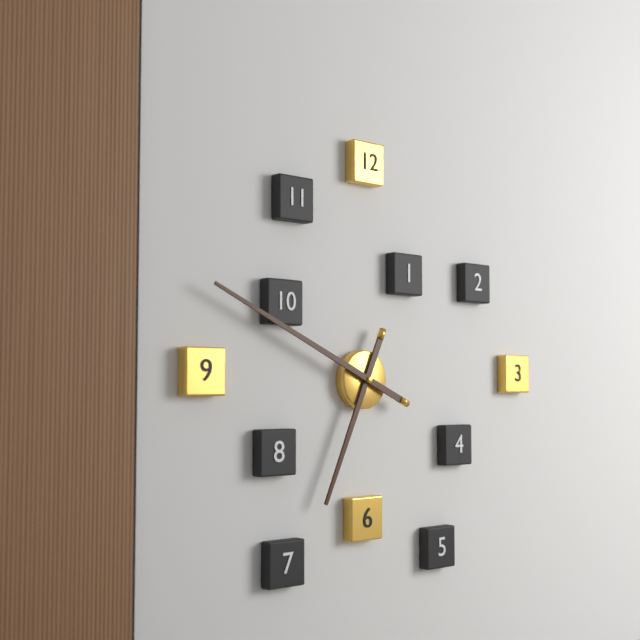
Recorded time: 6.49
